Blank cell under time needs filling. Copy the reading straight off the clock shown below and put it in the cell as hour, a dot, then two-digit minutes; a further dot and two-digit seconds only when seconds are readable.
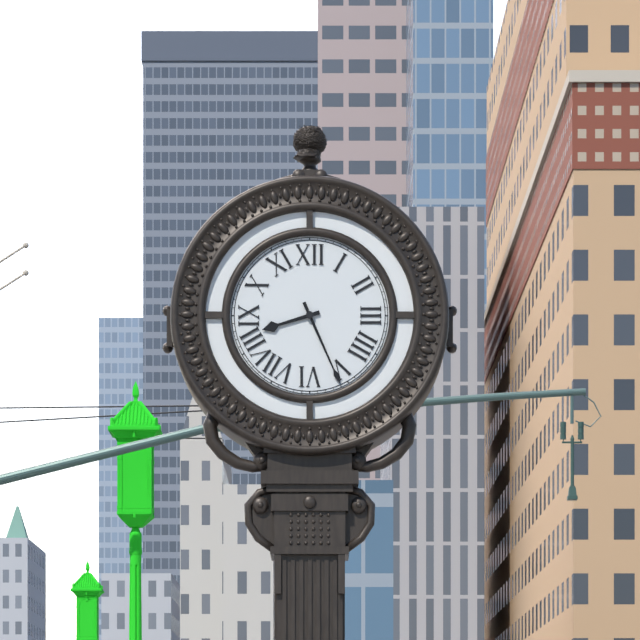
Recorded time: 8.26
